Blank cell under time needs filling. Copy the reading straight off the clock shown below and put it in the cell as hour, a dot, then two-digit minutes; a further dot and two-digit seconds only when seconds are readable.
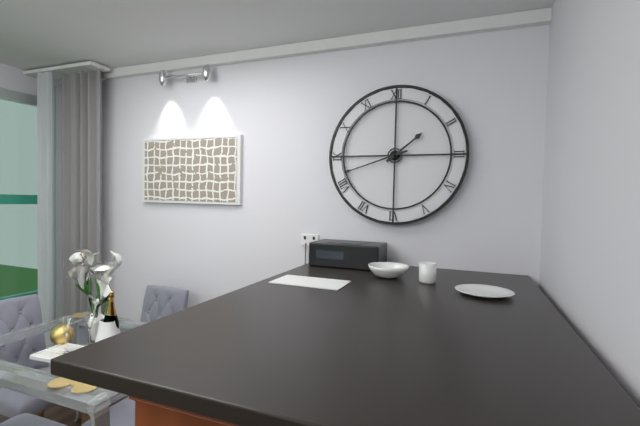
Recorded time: 1.42
